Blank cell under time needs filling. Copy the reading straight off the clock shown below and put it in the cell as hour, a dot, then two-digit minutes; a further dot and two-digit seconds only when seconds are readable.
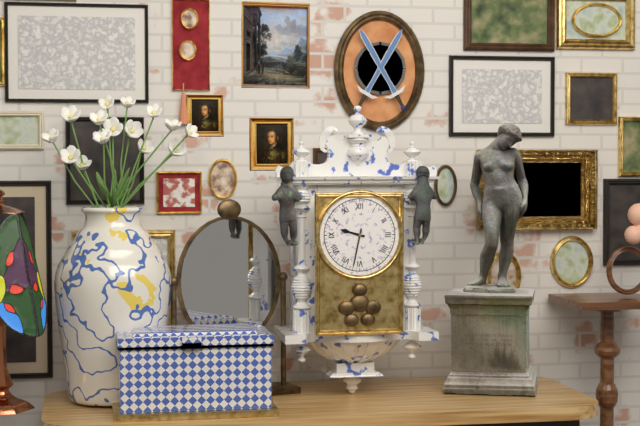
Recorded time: 9.32
